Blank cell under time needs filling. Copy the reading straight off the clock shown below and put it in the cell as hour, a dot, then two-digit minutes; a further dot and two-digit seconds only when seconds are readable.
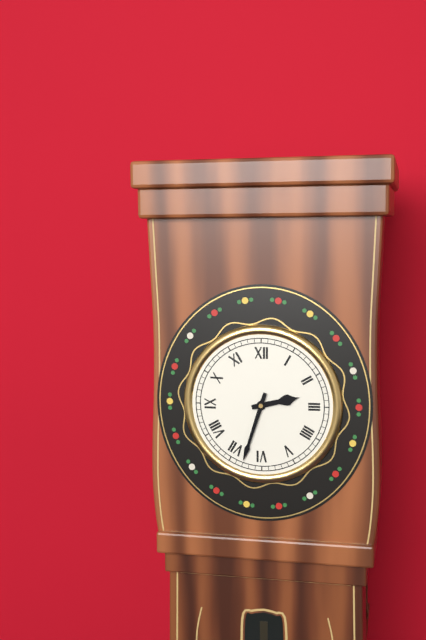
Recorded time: 2.33
